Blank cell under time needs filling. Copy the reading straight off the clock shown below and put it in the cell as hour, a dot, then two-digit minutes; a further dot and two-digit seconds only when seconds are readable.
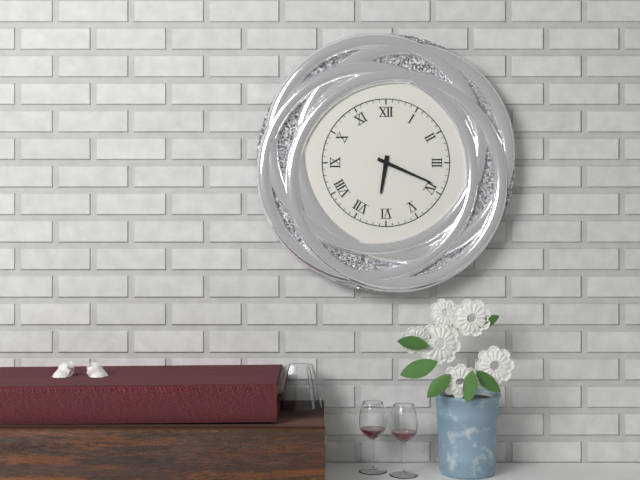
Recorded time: 6.19
